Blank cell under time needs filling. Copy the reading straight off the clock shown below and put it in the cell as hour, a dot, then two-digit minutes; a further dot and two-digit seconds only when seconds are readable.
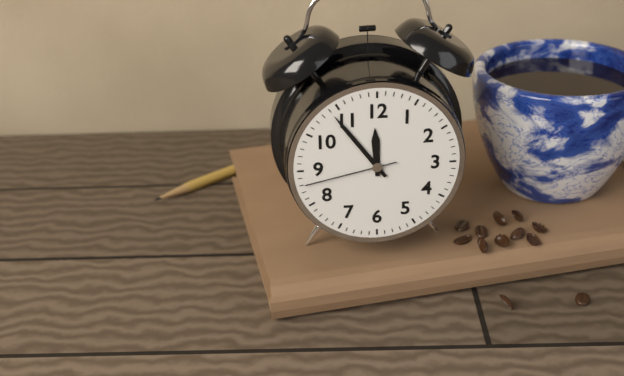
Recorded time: 11.54.43
